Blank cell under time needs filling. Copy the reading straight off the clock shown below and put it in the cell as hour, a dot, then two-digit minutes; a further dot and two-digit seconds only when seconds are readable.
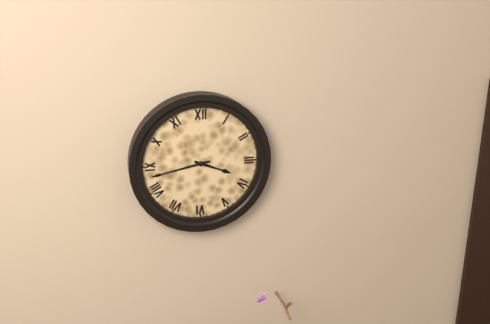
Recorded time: 3.43
